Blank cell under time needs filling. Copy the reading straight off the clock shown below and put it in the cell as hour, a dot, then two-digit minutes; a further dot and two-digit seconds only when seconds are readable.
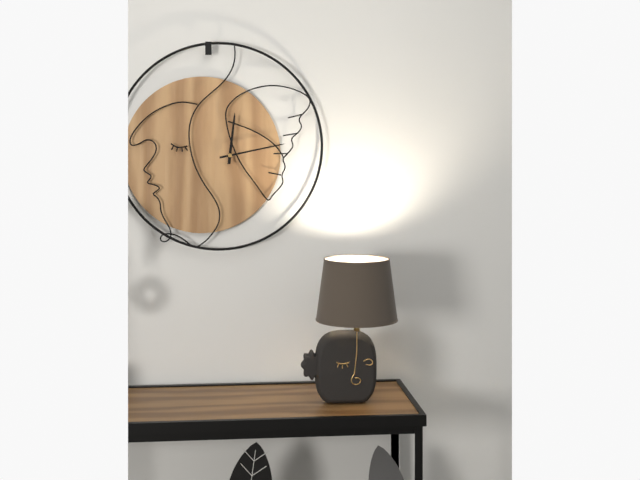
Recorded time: 12.13
